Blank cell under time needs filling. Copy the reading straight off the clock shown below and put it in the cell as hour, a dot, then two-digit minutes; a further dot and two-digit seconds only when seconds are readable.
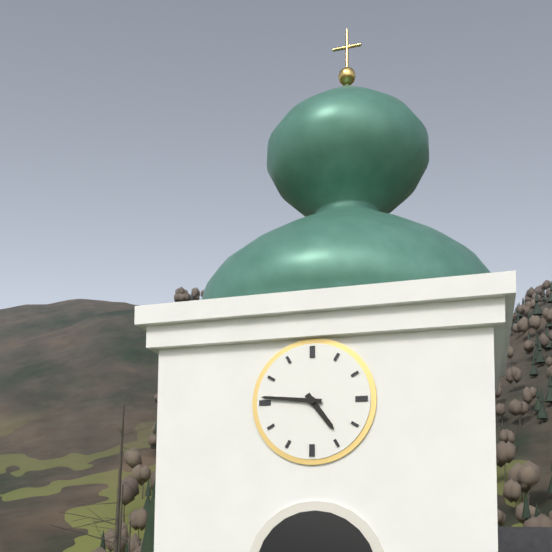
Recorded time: 4.46
